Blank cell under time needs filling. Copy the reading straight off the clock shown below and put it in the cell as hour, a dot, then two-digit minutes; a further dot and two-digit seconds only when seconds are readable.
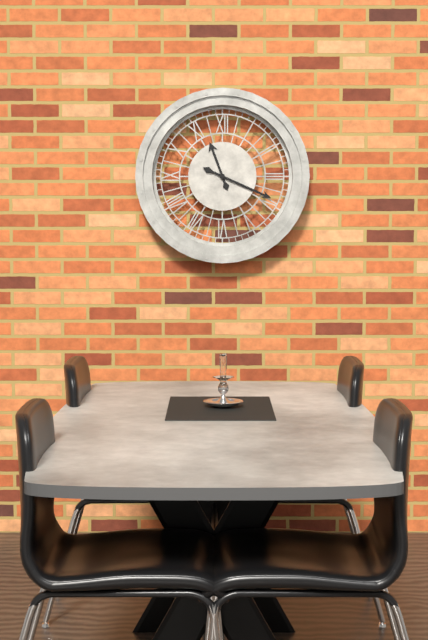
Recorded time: 11.19
